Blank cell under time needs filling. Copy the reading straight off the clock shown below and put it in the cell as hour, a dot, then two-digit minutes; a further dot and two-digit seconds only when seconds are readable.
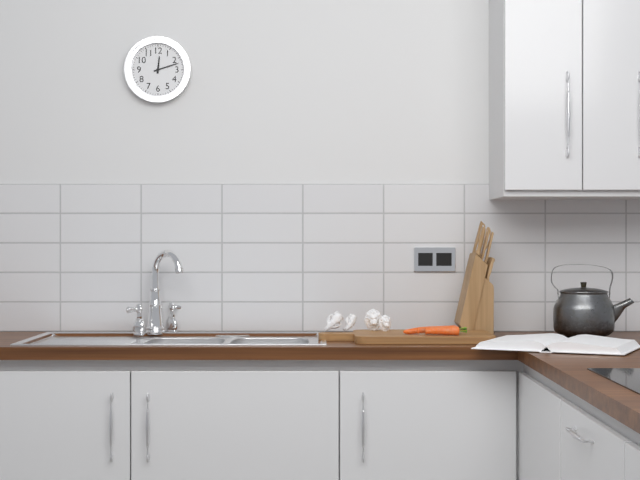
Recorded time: 12.12
